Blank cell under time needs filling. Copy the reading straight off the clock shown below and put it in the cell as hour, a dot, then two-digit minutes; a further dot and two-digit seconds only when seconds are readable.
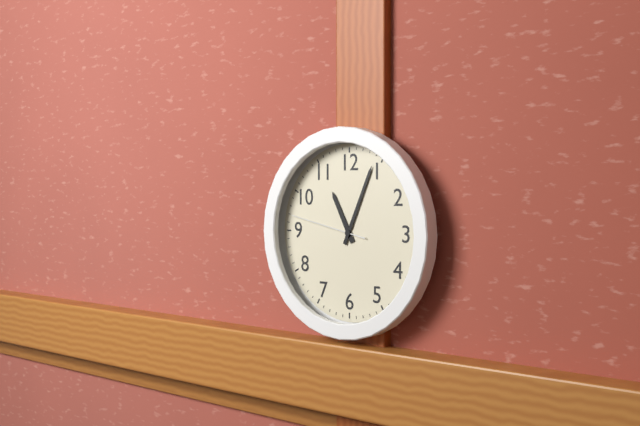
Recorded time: 11.04.47
